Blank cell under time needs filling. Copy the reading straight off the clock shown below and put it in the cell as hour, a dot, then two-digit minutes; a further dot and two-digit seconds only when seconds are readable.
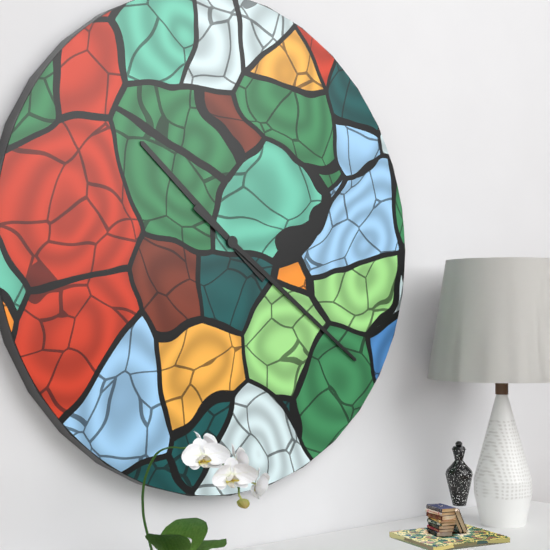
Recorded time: 10.21
